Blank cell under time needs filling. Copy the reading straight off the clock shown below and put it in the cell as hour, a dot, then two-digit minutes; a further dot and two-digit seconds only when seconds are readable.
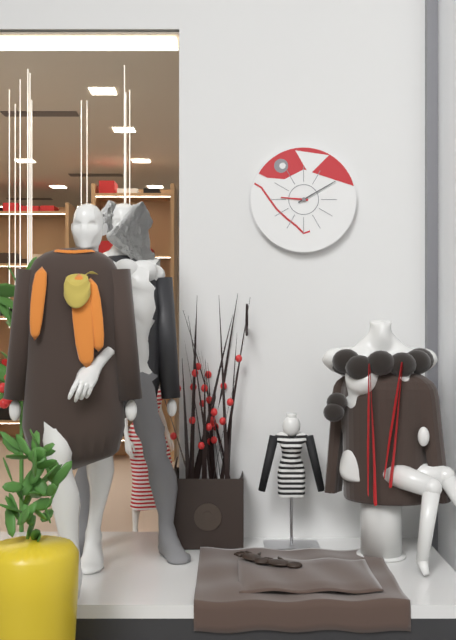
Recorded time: 9.10
